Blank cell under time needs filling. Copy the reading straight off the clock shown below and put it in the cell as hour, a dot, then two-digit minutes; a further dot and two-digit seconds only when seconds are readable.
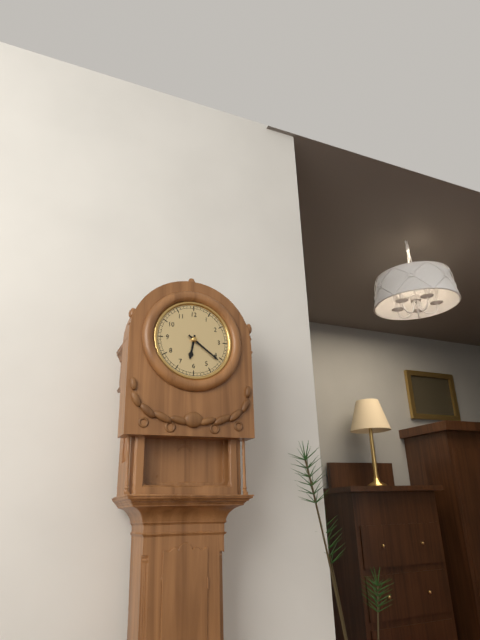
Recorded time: 6.21
